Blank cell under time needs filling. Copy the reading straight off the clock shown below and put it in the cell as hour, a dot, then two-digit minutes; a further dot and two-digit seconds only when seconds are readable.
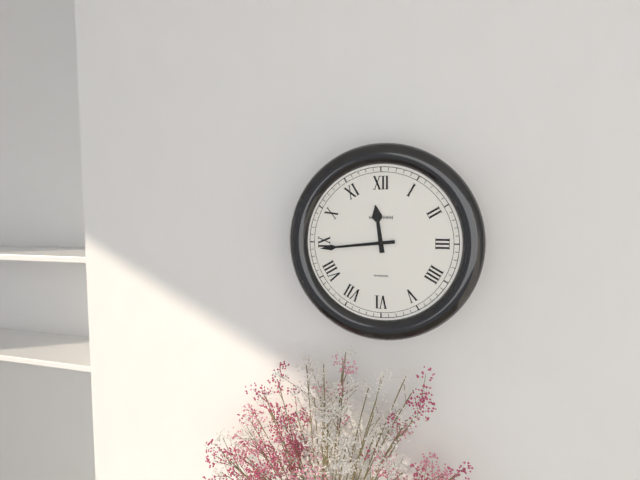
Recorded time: 11.44
